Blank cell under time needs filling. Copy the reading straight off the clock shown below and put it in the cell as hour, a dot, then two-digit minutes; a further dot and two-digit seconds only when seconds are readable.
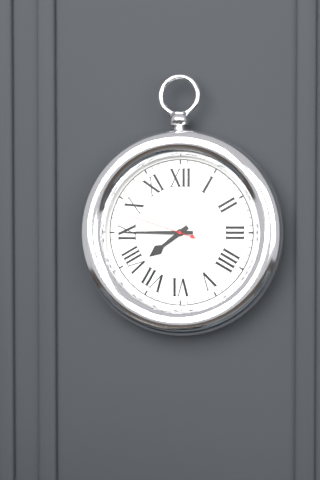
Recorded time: 7.45.48
